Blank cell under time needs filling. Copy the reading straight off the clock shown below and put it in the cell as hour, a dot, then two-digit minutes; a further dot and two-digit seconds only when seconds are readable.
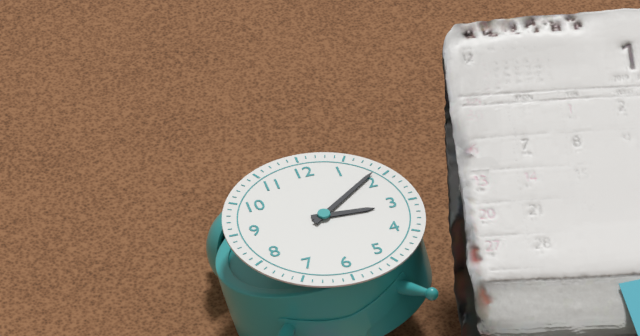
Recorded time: 3.09
